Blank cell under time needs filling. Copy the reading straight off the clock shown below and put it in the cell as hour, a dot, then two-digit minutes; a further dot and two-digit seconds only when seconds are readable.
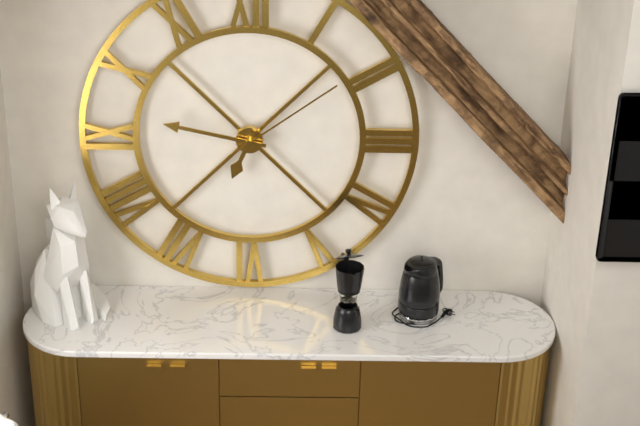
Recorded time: 6.47.09
